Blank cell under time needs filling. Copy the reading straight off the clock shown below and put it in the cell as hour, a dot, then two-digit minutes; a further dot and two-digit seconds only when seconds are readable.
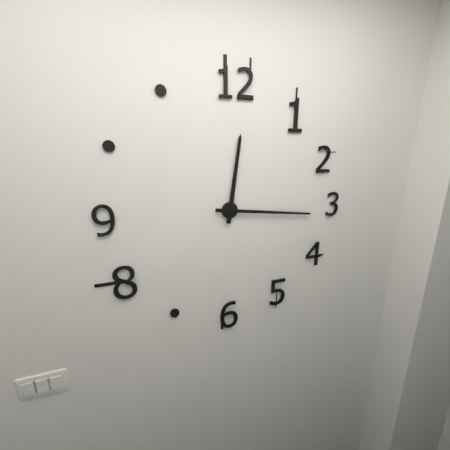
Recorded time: 12.16
